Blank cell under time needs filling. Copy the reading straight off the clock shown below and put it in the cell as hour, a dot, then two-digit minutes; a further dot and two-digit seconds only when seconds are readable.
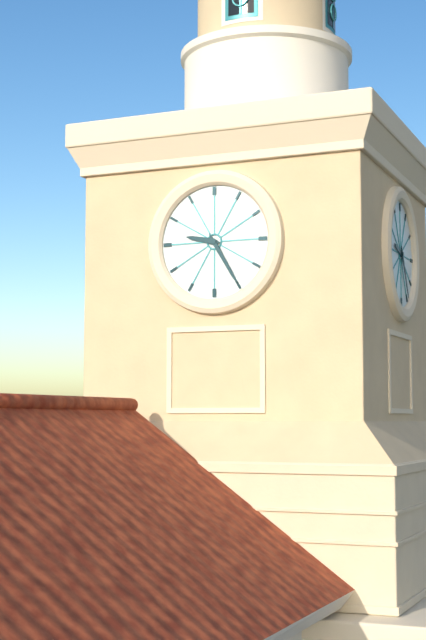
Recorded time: 9.25
